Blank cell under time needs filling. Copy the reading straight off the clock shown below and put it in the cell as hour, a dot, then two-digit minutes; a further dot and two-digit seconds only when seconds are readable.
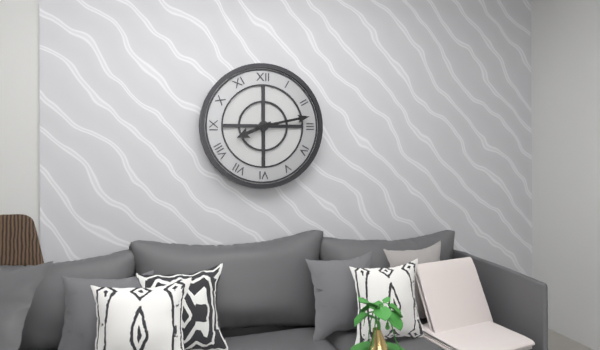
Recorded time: 8.13
